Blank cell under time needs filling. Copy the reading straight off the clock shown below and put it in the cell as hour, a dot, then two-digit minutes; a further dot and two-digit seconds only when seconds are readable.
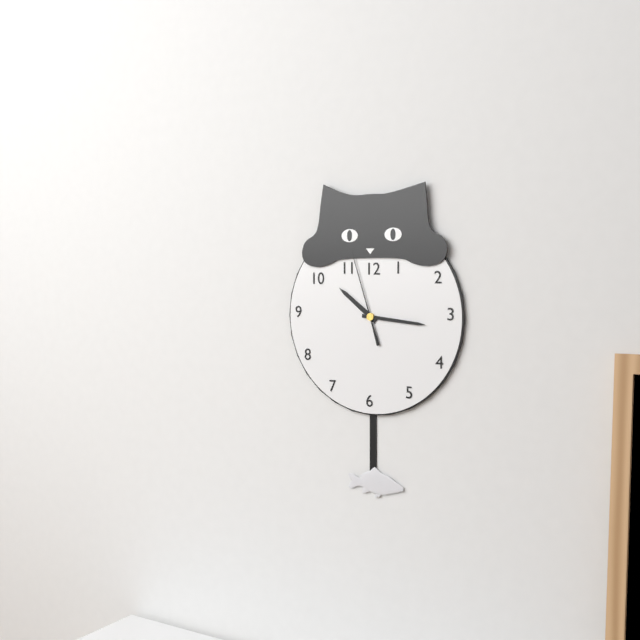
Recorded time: 10.16.57
